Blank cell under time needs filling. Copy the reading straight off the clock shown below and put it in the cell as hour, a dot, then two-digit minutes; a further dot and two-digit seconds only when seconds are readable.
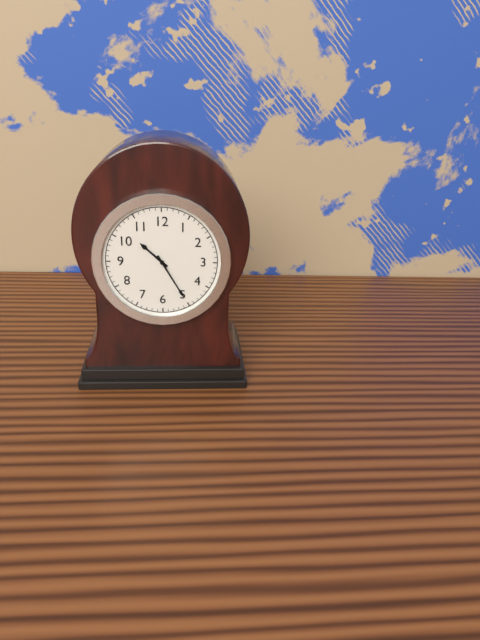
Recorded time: 10.25
